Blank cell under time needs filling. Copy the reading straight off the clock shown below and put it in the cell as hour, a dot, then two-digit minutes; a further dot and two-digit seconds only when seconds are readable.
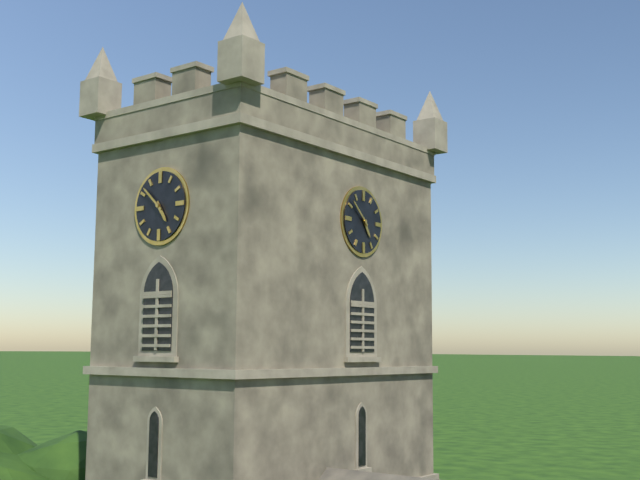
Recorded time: 4.52
